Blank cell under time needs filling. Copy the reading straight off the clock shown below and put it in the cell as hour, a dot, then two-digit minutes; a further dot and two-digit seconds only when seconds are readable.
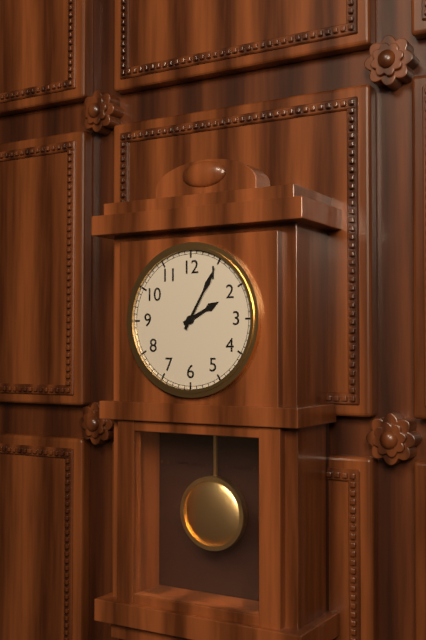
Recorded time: 2.05
